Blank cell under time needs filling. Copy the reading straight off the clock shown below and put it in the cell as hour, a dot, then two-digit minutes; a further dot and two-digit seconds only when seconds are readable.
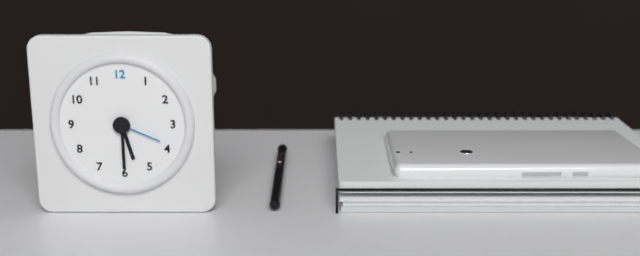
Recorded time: 5.30.19
